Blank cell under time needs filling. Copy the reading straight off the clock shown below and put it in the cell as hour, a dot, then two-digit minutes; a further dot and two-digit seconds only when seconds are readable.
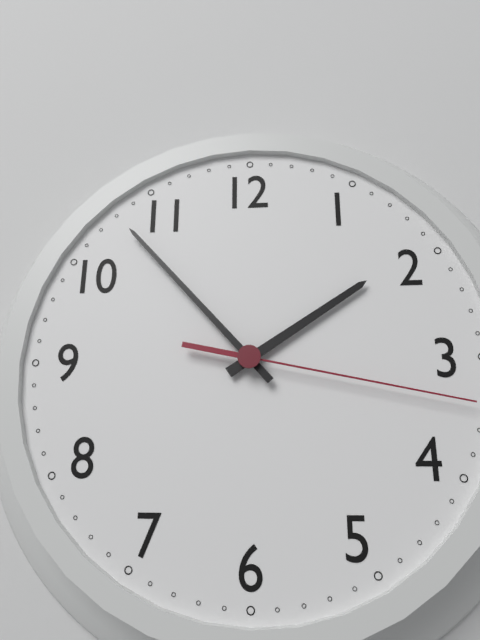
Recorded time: 1.53.17
